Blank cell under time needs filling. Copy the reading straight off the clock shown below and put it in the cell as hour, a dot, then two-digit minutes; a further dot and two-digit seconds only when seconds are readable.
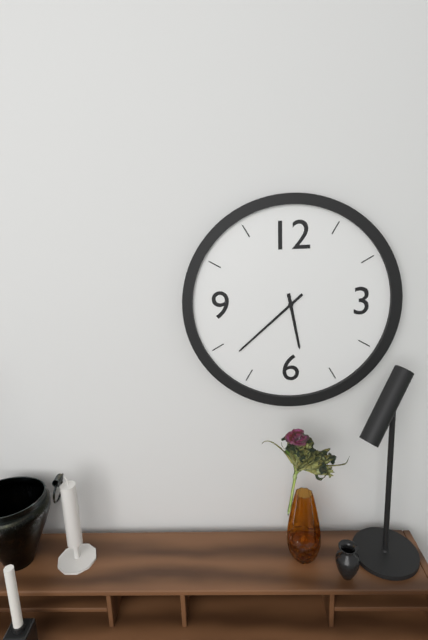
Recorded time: 5.38
